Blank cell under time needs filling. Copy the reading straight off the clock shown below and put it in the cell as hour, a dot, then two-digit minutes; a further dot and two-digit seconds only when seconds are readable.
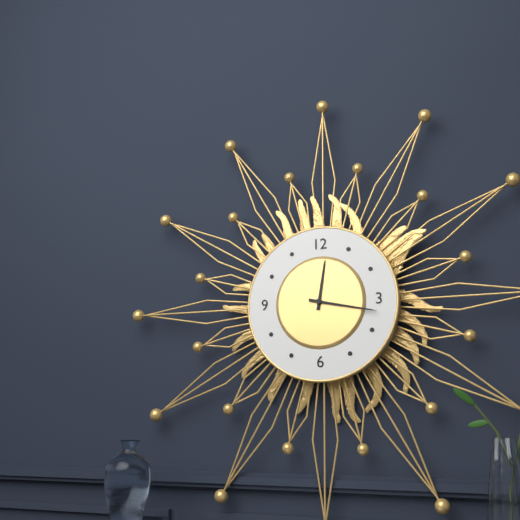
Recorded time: 12.17
